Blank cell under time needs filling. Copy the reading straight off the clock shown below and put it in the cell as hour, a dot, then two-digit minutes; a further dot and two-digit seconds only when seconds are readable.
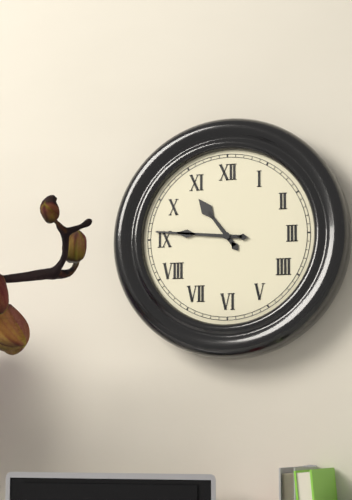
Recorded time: 10.46
